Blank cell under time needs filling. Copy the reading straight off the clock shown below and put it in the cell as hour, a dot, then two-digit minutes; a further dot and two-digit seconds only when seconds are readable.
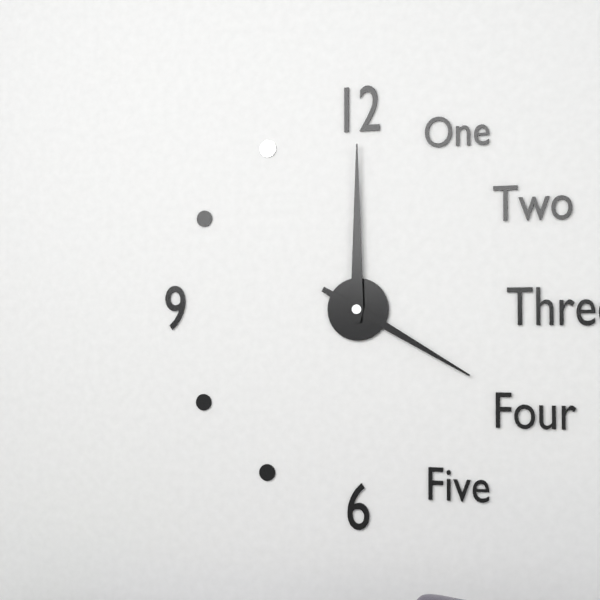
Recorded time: 4.00
